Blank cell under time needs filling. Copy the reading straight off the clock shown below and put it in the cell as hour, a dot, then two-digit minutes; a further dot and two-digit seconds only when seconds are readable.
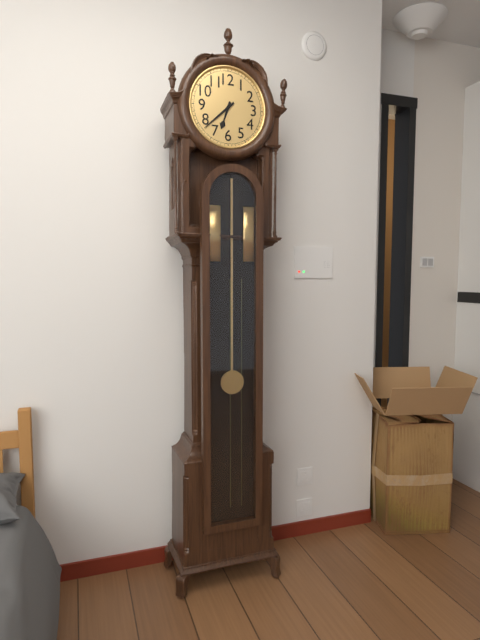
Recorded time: 6.38
